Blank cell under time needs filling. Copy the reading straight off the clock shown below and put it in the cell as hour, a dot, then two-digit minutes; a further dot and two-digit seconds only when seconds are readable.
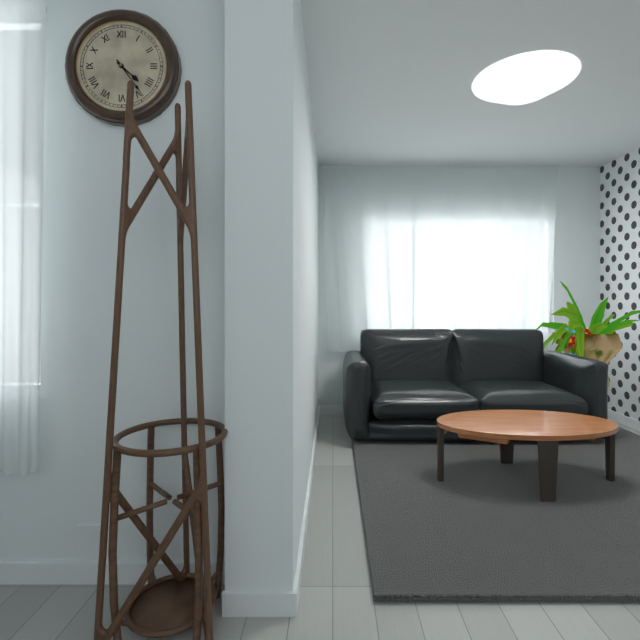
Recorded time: 4.24
